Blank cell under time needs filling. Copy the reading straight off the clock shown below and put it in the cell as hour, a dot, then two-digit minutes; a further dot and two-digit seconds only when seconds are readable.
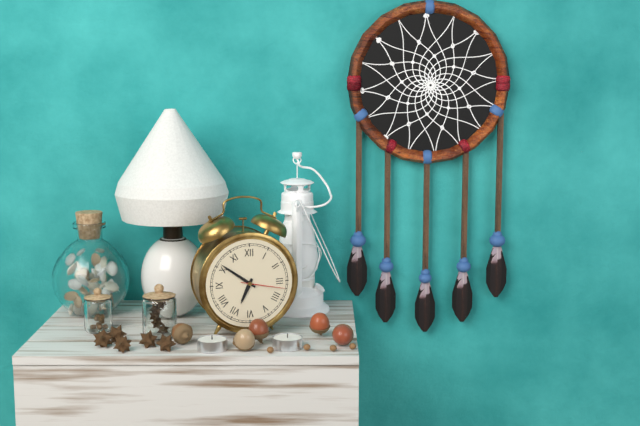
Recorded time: 6.51
